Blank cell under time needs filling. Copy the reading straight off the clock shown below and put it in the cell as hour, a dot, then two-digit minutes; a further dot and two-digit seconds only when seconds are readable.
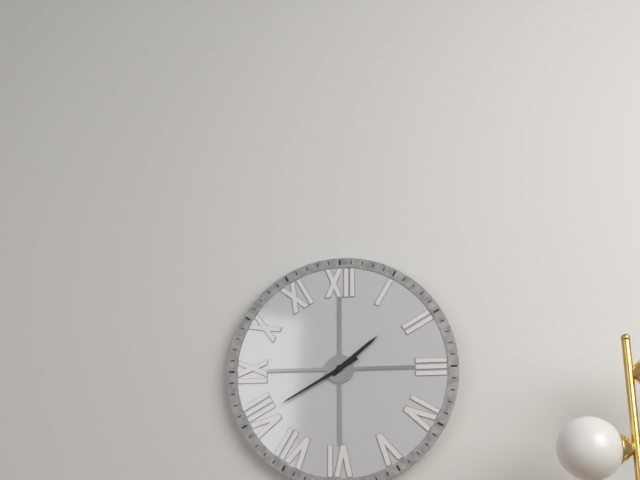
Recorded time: 1.40
